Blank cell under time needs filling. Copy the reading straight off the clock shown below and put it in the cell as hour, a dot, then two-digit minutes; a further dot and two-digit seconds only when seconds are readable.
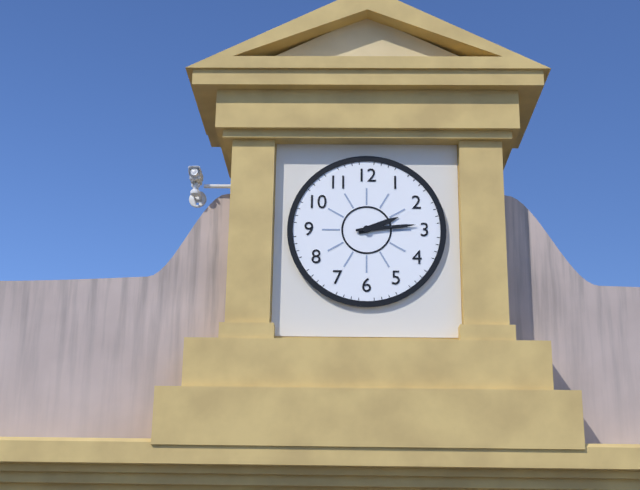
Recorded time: 2.14
